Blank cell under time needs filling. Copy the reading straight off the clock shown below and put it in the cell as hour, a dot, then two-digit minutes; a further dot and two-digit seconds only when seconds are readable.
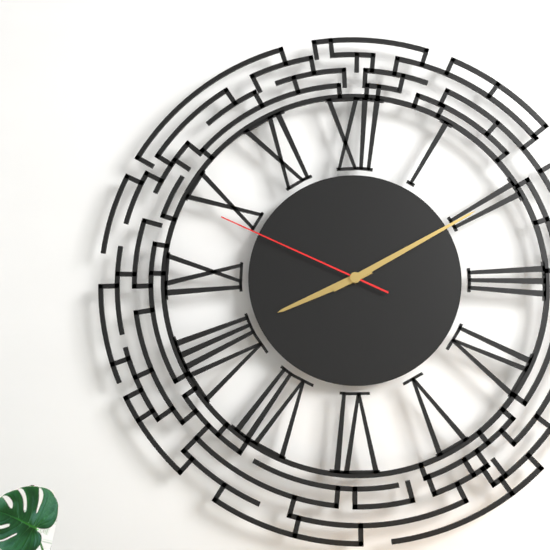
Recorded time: 8.10.49
